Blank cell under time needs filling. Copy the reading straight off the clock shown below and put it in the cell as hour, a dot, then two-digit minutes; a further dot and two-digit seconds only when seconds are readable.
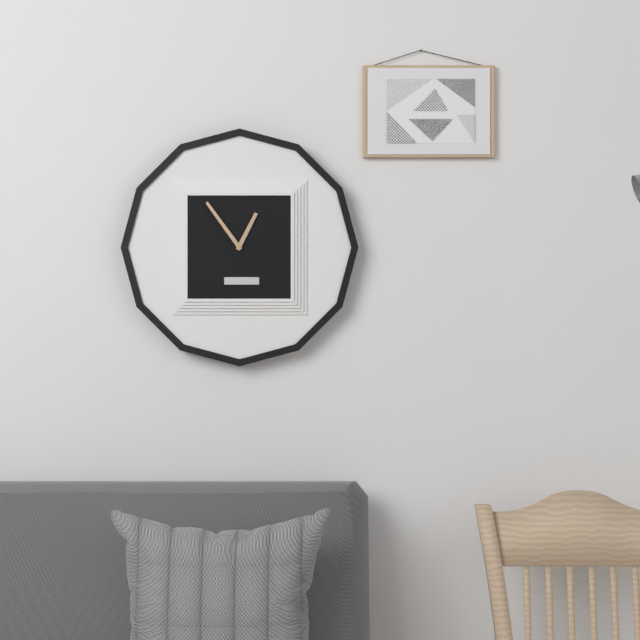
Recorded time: 12.54
